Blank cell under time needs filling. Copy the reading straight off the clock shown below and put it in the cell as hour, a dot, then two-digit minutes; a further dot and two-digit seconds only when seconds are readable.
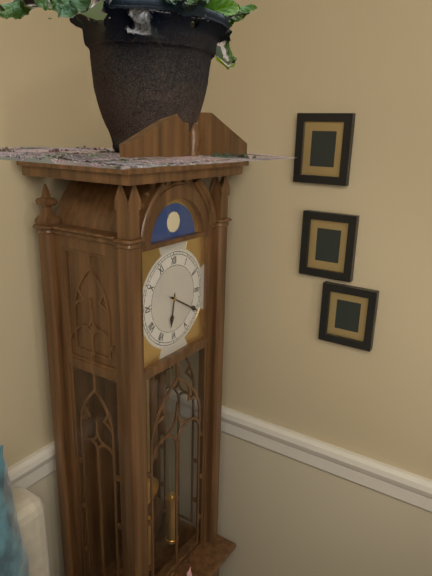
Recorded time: 6.20
